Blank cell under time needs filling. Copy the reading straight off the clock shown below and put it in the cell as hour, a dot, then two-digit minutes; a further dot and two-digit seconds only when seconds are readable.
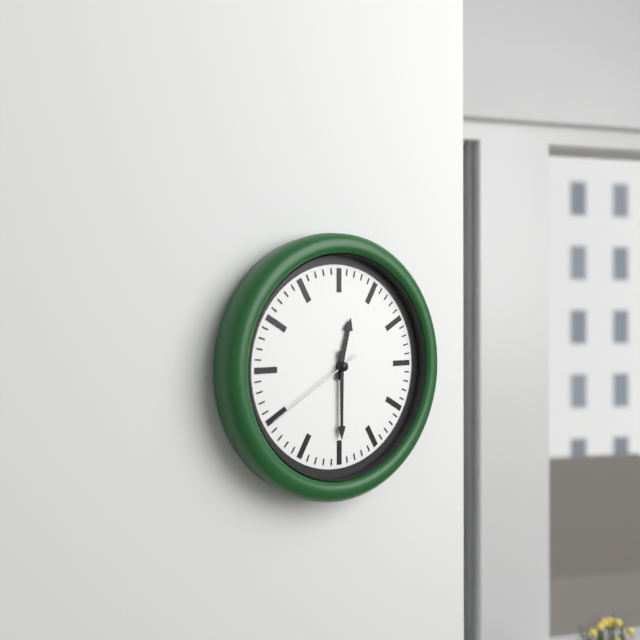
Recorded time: 12.30.40
